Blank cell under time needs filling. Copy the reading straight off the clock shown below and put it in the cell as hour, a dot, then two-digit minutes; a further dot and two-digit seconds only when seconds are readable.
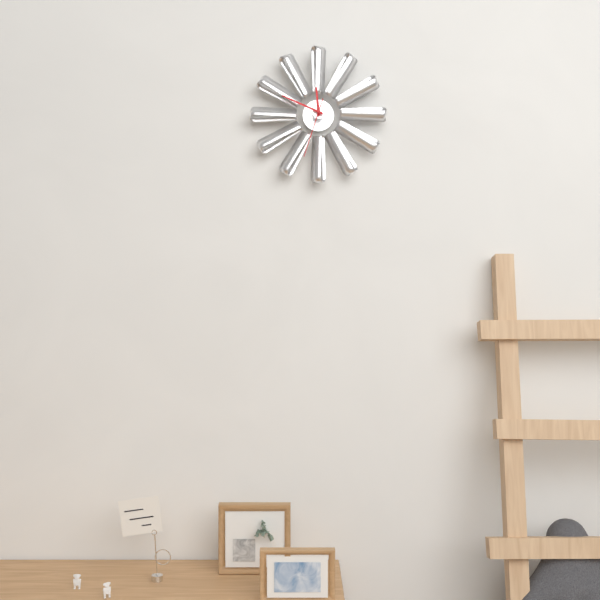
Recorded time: 11.49.33
